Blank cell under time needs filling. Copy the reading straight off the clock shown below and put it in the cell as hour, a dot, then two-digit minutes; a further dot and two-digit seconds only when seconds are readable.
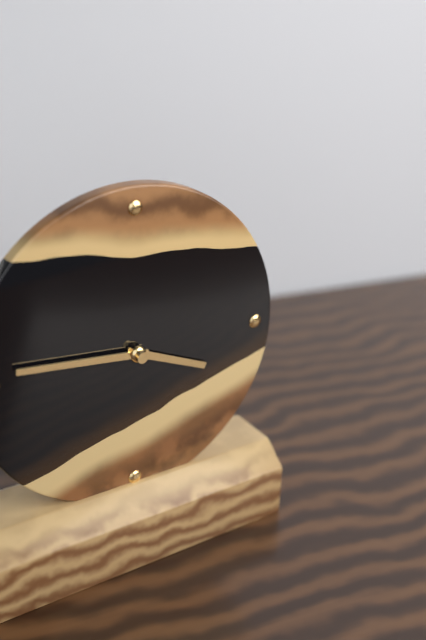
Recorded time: 3.46
